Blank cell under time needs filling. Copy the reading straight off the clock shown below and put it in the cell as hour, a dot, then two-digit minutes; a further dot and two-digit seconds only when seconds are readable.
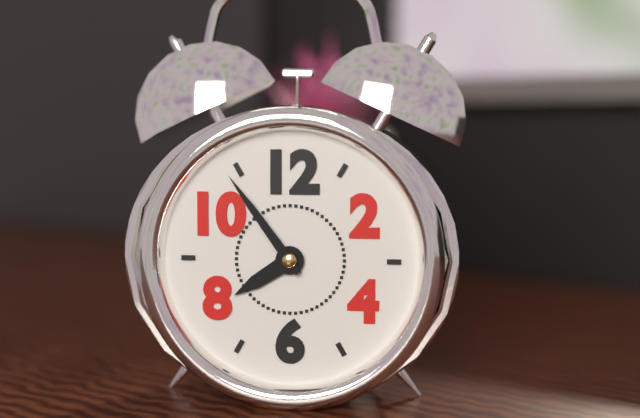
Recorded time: 7.54
